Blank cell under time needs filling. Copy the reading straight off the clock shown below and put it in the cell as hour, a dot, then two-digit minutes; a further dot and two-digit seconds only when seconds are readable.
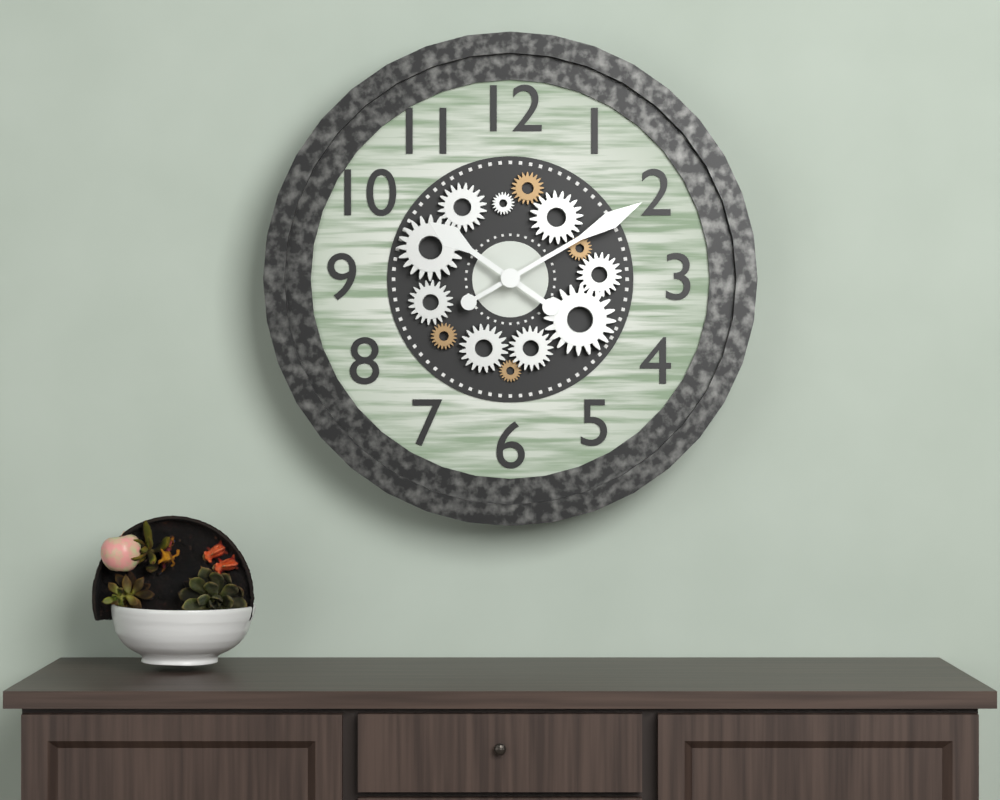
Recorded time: 10.10
